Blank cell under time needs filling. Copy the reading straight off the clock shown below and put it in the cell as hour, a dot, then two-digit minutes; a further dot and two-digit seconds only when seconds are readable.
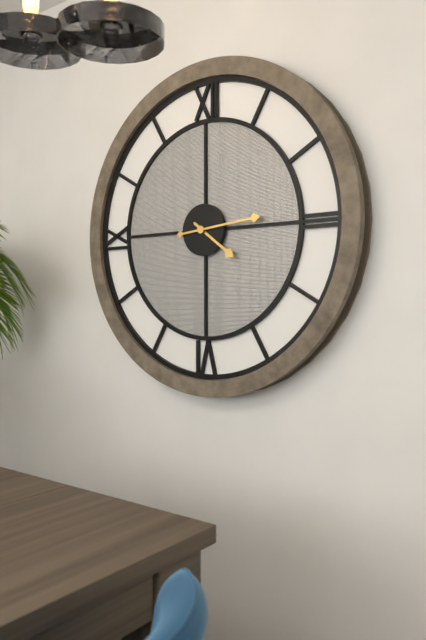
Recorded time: 4.14
